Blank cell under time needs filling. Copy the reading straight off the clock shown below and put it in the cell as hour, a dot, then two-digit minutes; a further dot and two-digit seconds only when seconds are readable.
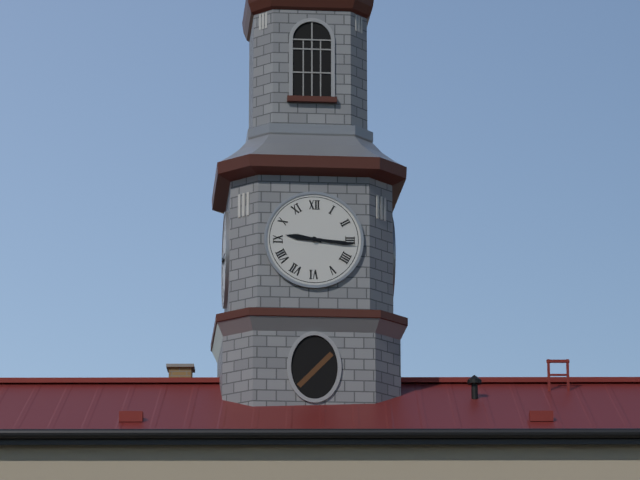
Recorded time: 9.16
